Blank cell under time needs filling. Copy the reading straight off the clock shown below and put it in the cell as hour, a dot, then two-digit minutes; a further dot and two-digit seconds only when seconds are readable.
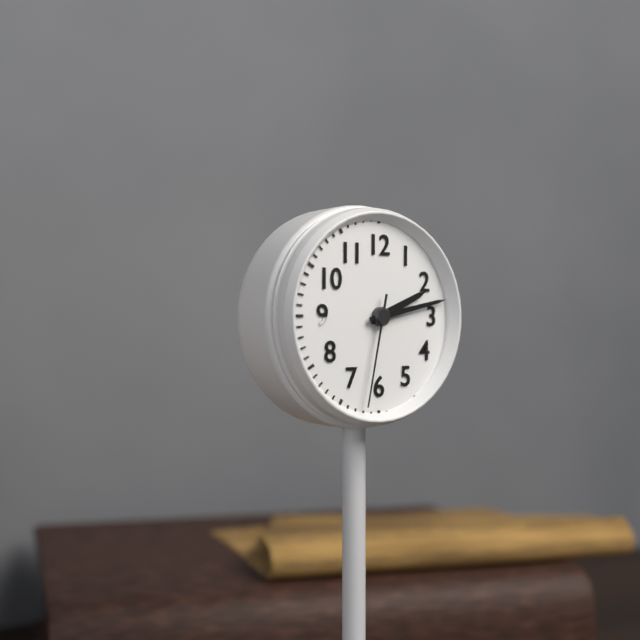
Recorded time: 2.13.32
